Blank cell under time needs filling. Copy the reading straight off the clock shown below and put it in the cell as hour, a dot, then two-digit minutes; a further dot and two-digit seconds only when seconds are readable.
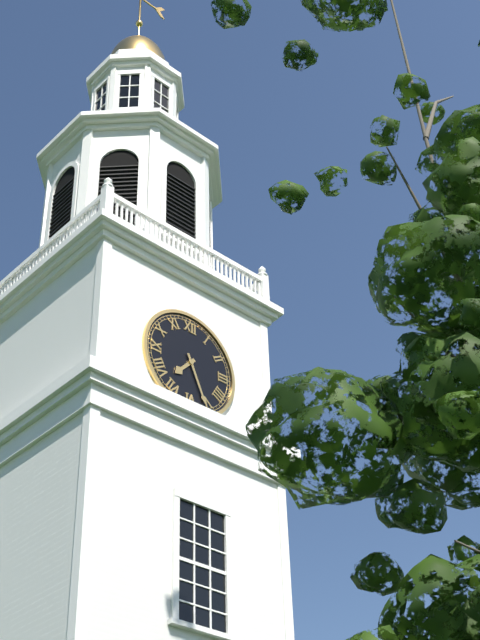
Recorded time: 7.26
